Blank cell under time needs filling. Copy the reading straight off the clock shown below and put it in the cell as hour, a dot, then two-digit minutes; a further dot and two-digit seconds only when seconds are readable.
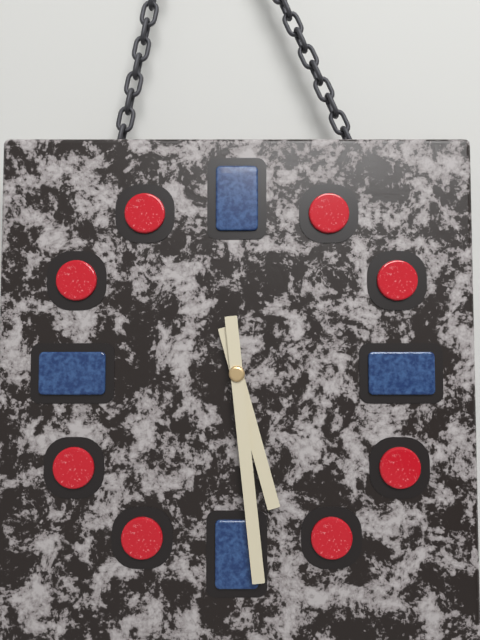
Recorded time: 5.29
